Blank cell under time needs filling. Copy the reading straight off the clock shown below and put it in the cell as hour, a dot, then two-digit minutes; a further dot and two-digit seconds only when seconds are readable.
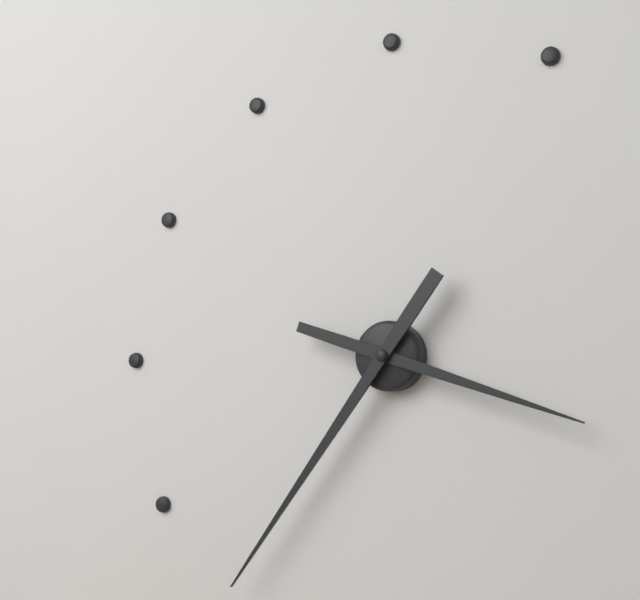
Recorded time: 3.36
